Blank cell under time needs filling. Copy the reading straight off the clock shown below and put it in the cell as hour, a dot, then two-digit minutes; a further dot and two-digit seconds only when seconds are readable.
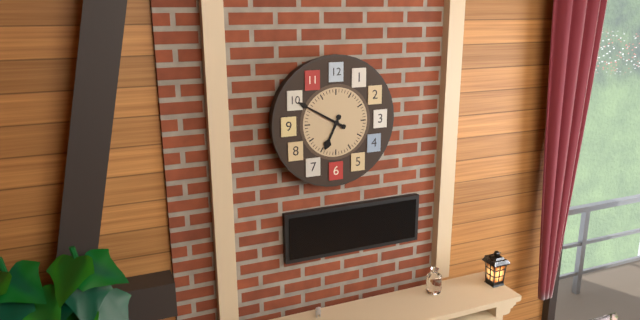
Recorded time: 6.50
